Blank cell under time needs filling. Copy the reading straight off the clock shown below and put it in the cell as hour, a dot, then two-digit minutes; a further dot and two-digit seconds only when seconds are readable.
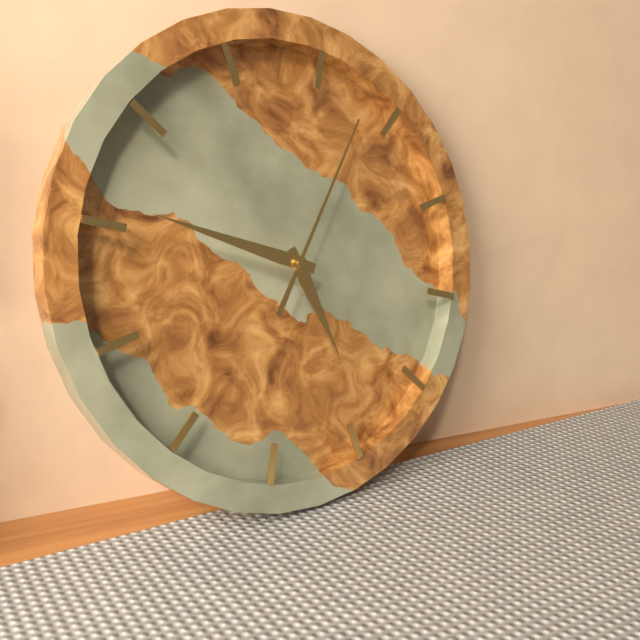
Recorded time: 4.46.03
